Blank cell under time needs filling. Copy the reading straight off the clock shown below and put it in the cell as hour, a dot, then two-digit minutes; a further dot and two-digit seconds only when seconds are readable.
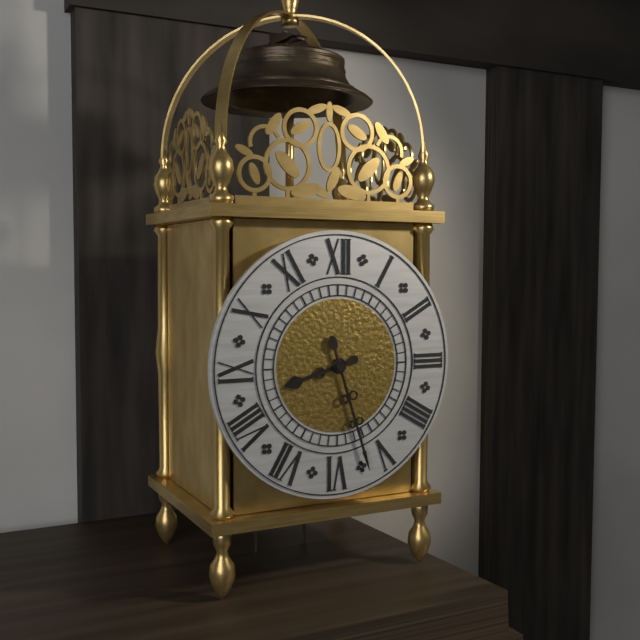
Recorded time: 8.27
